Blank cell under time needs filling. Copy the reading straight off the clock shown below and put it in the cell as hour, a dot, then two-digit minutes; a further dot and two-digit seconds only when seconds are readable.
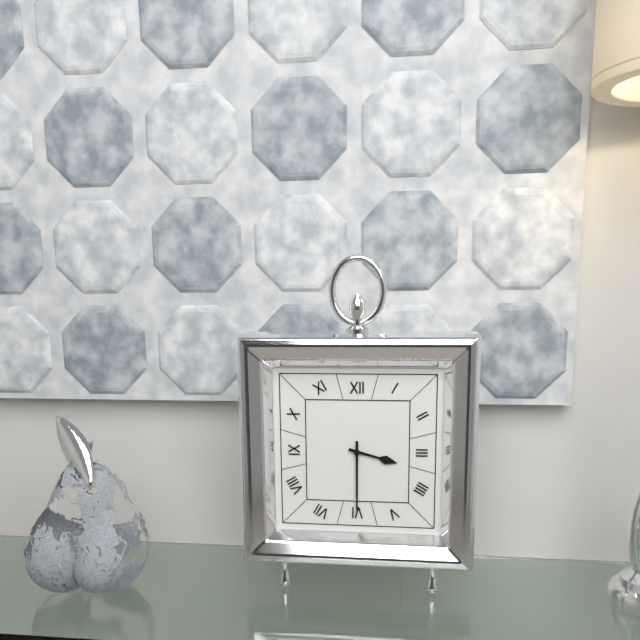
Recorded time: 3.30
